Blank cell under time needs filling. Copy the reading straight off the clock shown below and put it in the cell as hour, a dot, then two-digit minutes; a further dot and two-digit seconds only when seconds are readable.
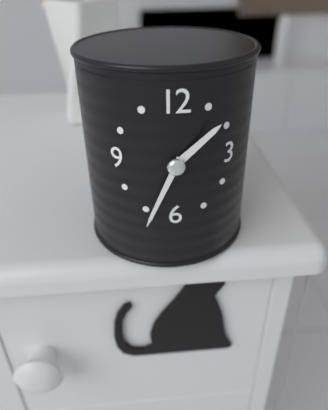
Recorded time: 1.34
